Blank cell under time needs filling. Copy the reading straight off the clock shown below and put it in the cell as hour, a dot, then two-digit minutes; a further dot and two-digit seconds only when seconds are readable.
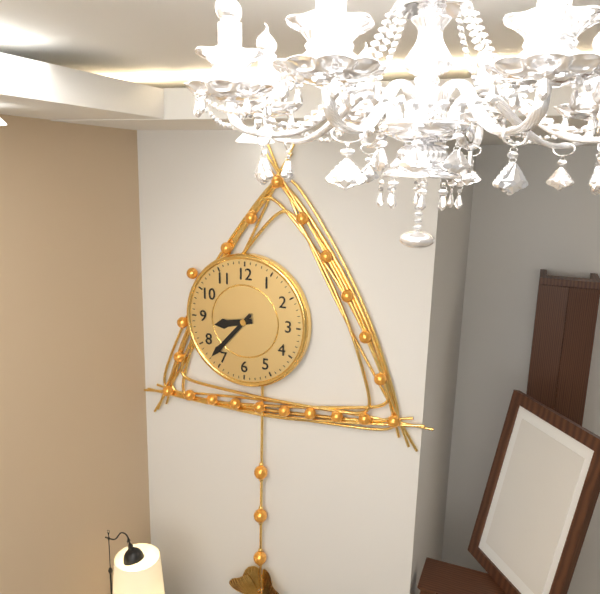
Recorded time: 8.37
